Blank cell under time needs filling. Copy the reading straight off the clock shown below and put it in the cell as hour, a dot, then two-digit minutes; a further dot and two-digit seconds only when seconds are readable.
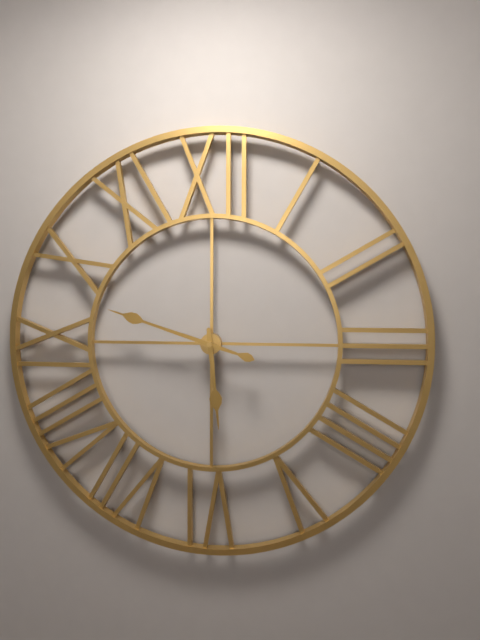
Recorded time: 5.48
